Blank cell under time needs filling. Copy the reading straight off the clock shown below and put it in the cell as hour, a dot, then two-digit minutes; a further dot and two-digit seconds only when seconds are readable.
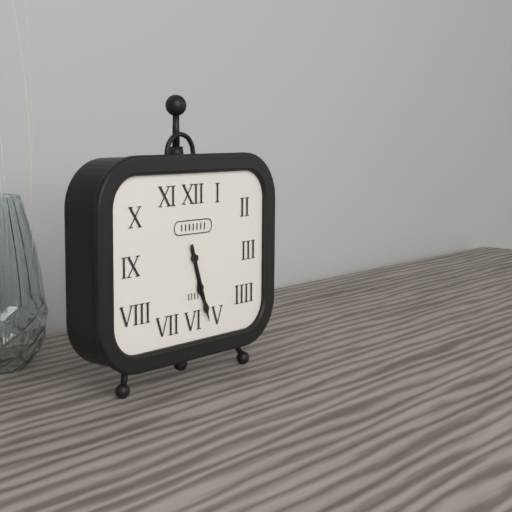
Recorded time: 5.27
